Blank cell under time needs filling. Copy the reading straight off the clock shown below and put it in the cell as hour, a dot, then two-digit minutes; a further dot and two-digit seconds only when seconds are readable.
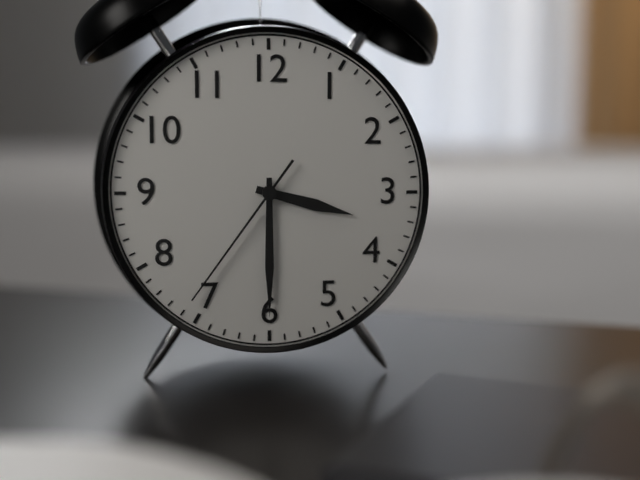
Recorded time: 3.30.36
